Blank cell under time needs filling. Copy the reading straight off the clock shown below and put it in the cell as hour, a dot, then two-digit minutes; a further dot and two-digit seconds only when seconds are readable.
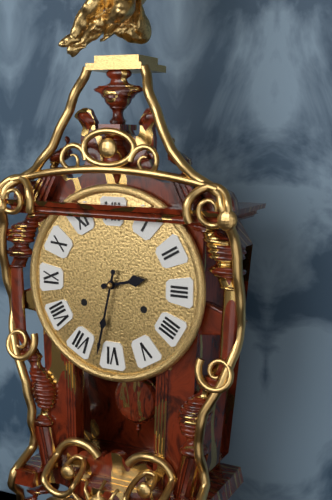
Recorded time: 2.32
